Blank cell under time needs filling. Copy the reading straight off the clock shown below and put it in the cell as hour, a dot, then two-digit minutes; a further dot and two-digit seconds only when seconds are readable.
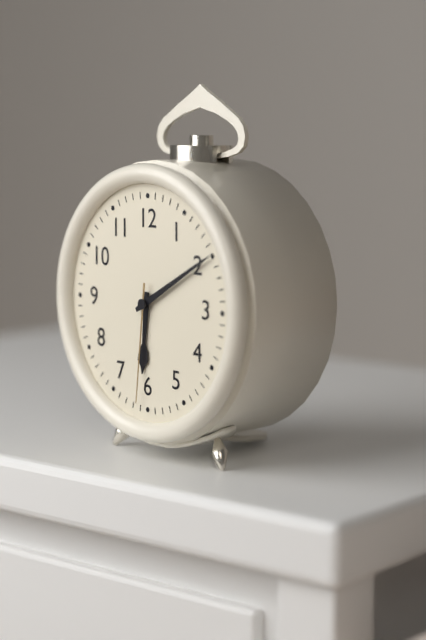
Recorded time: 6.10.31
